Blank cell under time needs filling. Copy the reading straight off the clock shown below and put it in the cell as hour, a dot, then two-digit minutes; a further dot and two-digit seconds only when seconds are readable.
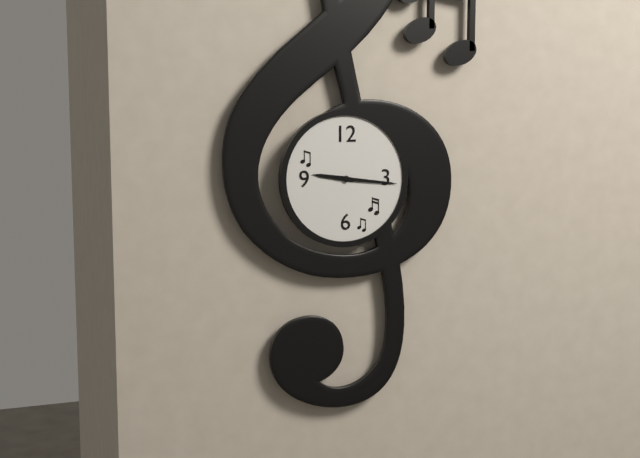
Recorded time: 9.16
